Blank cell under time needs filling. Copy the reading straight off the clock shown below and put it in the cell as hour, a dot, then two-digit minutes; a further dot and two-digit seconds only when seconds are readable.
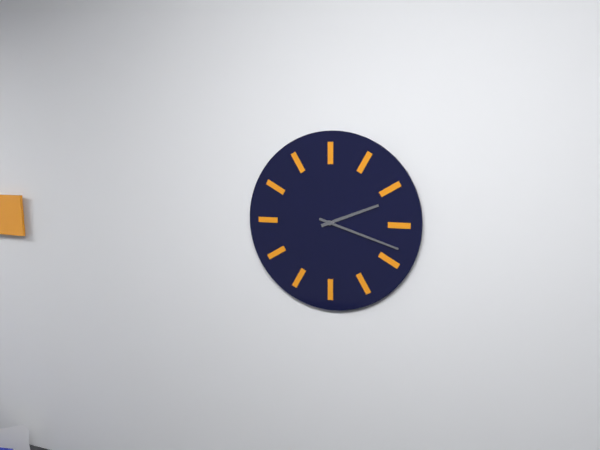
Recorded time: 2.18
